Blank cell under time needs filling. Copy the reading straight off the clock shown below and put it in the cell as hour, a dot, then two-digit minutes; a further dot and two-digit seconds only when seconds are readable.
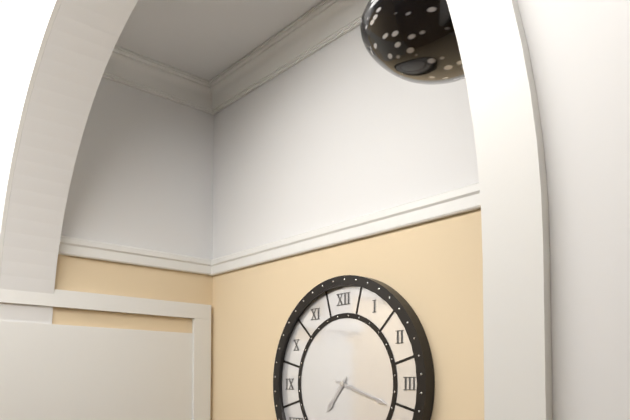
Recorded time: 7.18
